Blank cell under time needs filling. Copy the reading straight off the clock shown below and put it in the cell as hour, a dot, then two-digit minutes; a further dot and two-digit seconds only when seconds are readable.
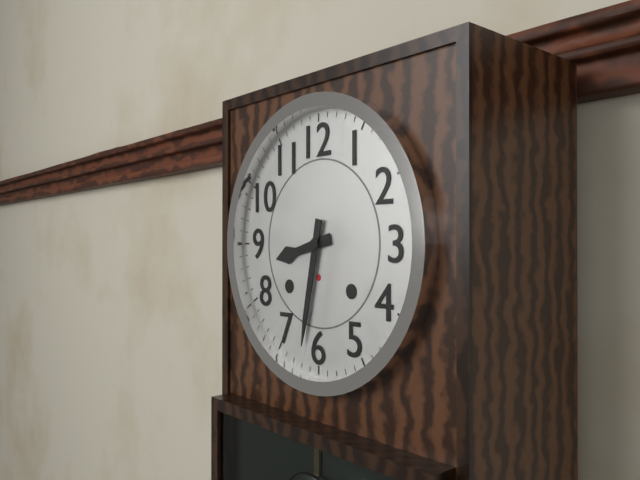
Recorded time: 8.32
